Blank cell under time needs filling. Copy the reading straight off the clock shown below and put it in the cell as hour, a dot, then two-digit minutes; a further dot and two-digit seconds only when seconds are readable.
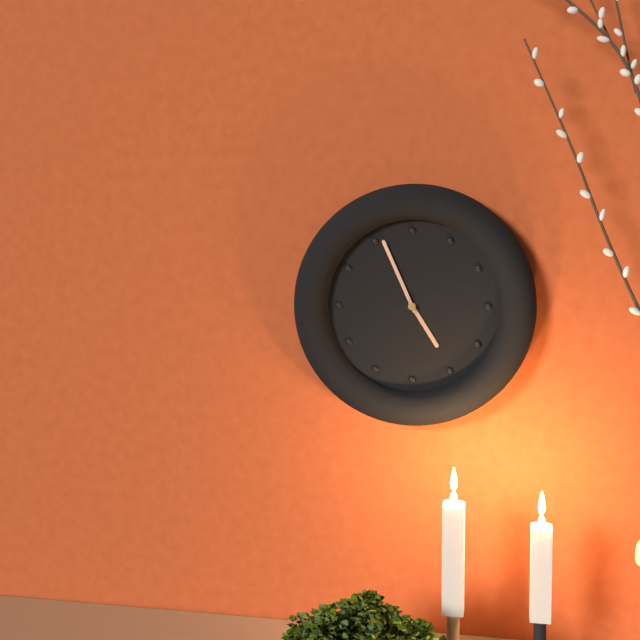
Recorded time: 4.56
